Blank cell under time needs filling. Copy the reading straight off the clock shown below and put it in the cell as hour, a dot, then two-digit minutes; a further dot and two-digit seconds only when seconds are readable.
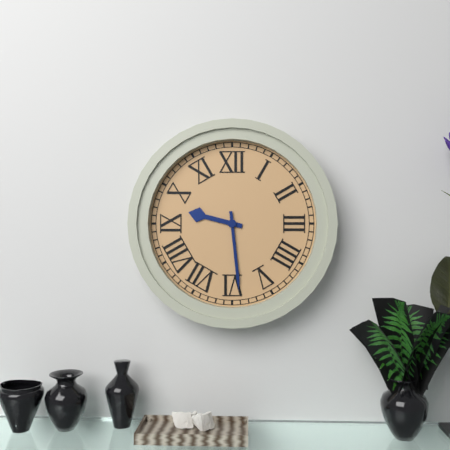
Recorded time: 9.29
